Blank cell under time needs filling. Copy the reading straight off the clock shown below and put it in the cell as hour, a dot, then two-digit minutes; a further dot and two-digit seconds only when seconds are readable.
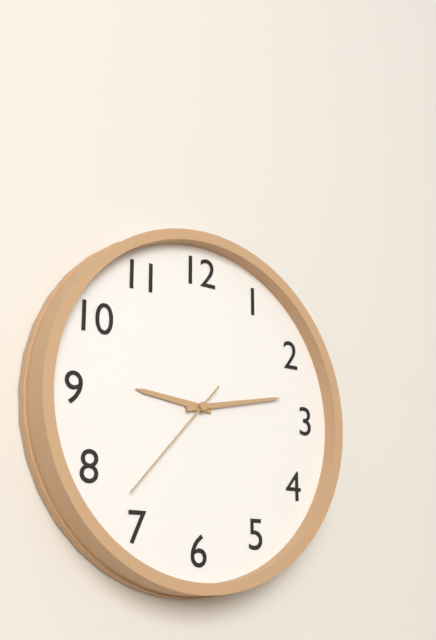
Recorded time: 9.13.37
